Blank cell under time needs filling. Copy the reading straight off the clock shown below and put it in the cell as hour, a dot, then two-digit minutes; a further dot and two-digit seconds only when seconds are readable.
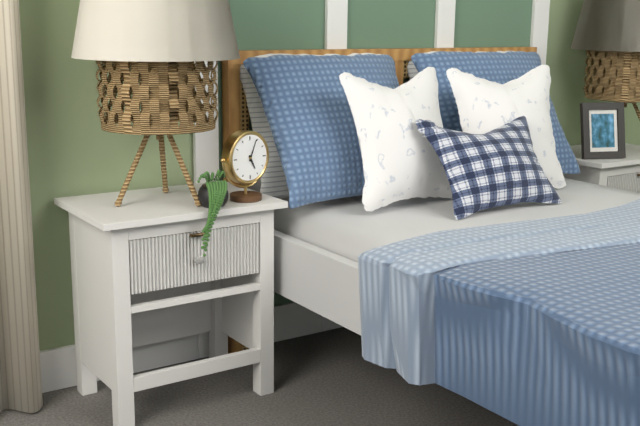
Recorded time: 5.04
